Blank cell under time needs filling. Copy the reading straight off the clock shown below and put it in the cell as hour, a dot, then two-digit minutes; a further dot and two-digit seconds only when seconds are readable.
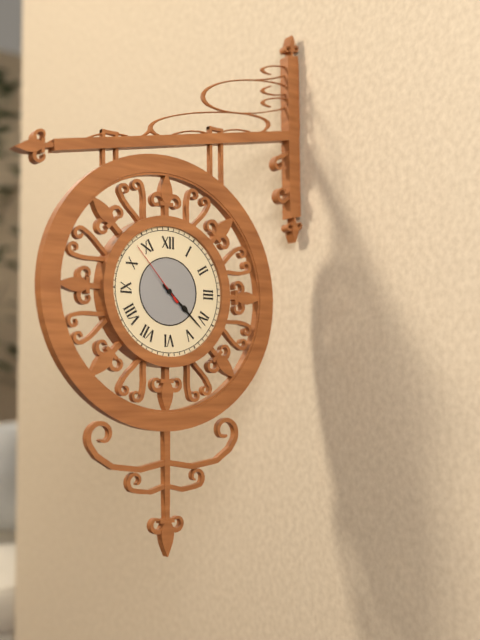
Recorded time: 4.22.53
